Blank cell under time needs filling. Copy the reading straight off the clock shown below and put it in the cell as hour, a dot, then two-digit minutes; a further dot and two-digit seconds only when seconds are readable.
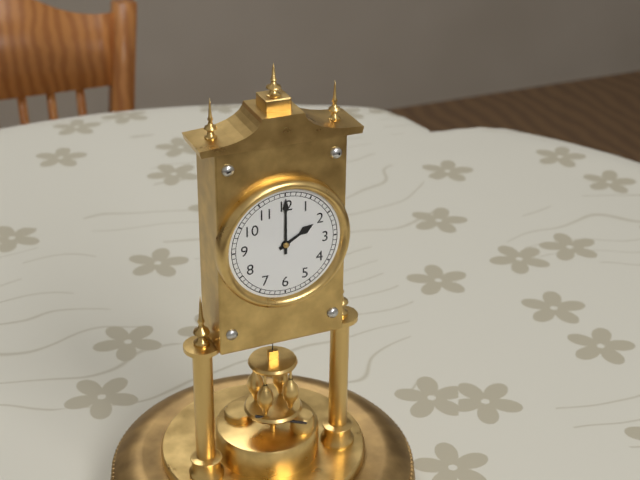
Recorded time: 2.00
